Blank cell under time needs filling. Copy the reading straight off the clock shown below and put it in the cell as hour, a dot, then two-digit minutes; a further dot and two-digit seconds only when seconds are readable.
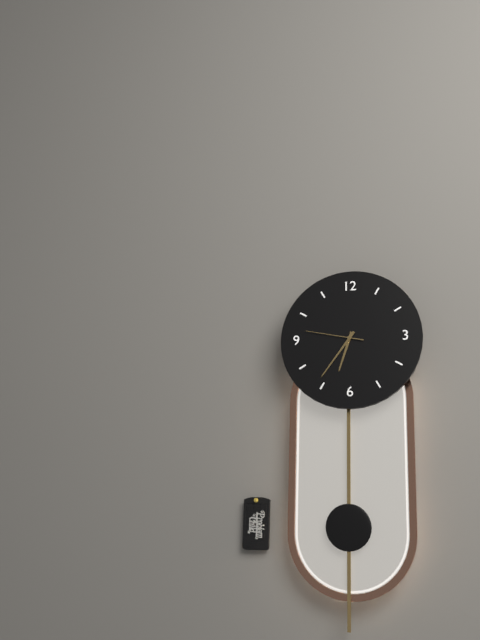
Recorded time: 6.36.47
